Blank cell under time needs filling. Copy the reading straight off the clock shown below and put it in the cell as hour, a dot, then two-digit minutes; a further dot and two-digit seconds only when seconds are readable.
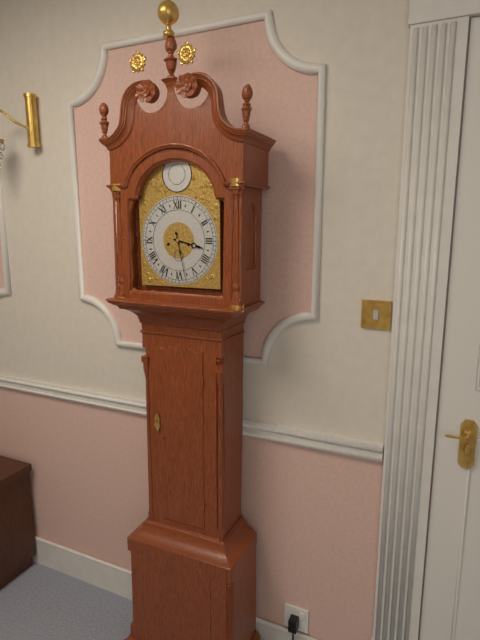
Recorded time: 3.28
